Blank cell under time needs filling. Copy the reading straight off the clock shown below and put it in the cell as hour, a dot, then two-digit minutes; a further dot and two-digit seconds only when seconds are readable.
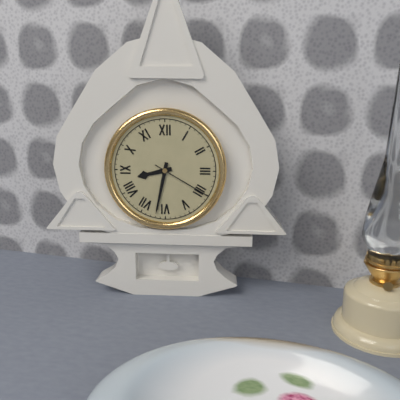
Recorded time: 8.32.20
